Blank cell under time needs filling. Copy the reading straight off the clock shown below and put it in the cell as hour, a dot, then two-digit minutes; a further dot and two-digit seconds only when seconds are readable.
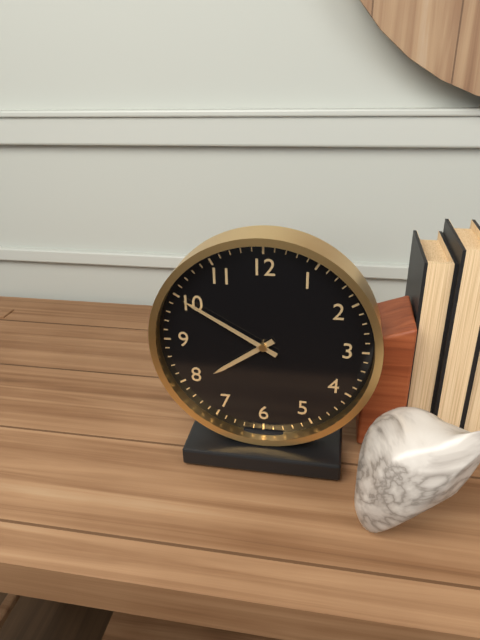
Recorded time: 7.50
